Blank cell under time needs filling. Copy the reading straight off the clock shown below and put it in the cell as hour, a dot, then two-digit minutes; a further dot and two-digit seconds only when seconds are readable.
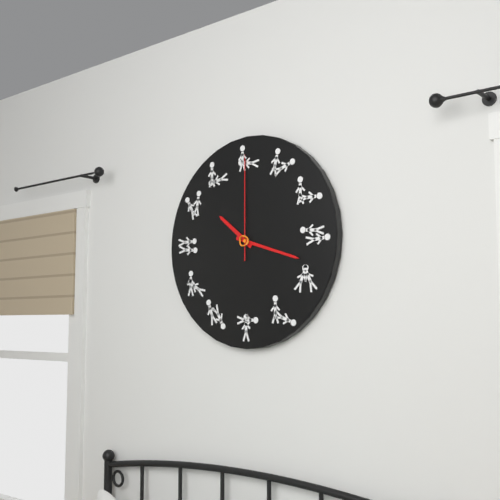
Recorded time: 10.18.00
